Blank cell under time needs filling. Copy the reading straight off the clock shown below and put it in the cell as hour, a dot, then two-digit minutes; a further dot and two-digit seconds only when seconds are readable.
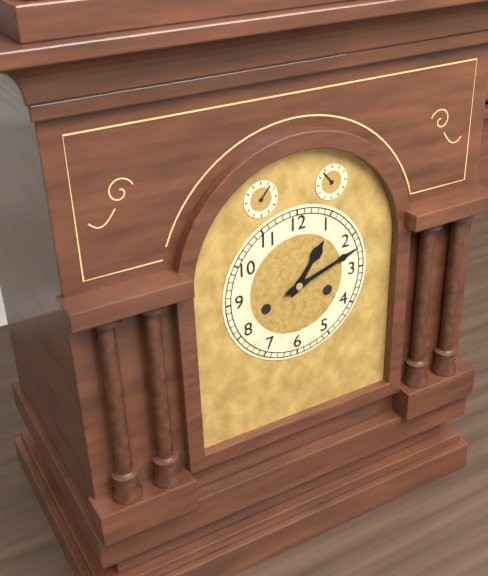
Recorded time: 1.12
